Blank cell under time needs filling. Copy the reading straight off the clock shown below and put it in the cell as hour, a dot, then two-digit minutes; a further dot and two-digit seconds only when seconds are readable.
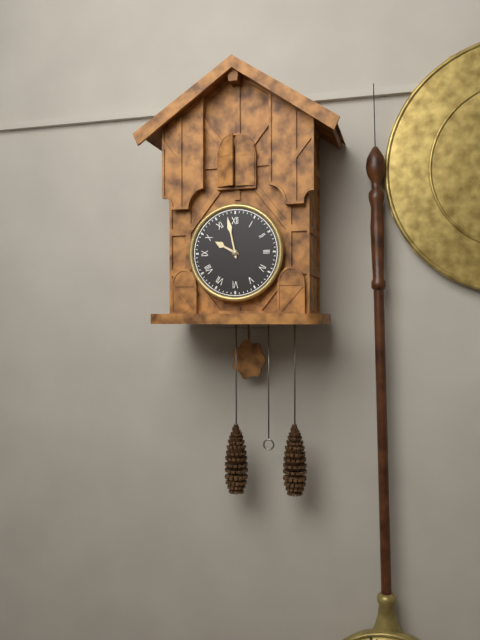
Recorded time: 9.58
